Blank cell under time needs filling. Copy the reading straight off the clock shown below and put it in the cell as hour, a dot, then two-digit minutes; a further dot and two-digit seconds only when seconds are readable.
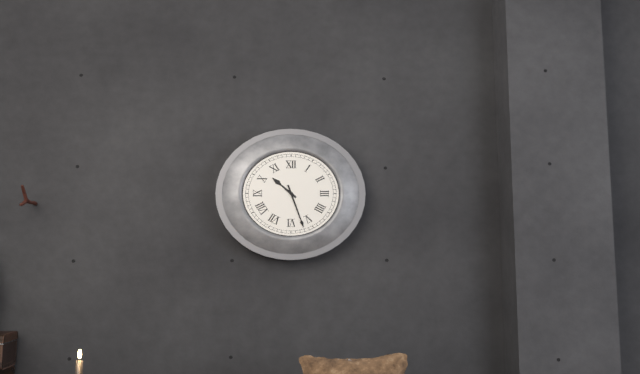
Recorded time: 10.27
